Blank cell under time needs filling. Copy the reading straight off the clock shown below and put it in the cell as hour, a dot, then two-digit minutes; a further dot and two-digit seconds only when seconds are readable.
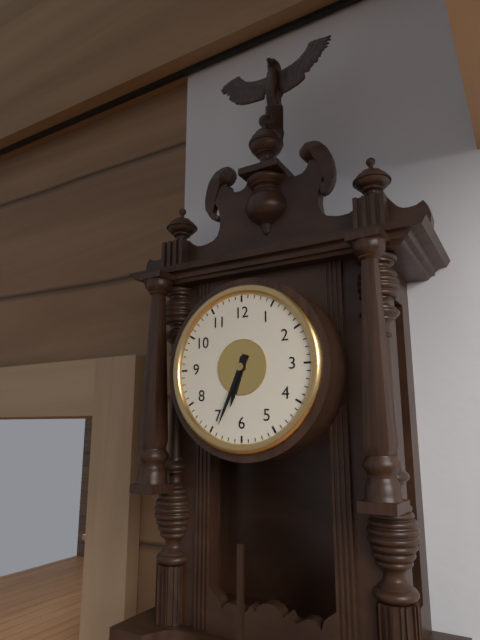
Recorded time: 6.34
